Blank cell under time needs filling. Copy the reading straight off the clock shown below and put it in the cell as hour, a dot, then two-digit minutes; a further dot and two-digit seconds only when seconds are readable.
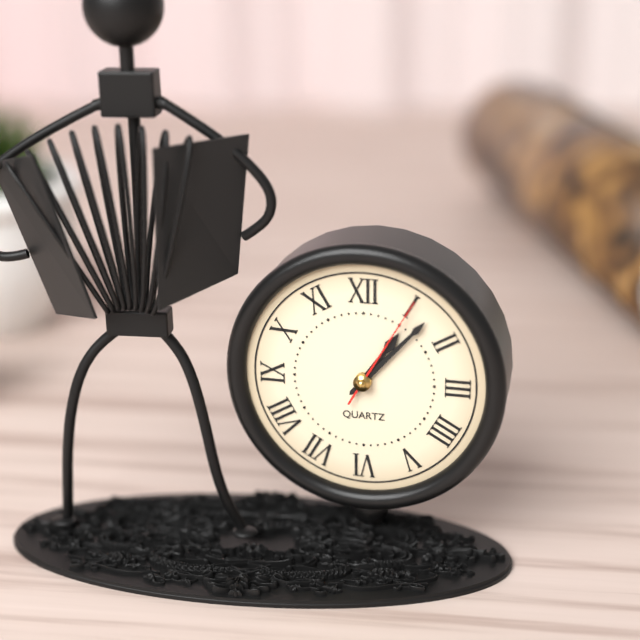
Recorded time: 1.07.05
